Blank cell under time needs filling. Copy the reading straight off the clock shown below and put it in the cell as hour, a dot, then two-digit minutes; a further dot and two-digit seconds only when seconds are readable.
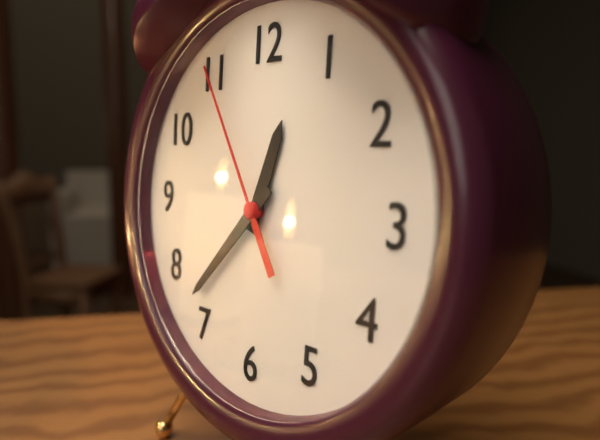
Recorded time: 12.37.55
